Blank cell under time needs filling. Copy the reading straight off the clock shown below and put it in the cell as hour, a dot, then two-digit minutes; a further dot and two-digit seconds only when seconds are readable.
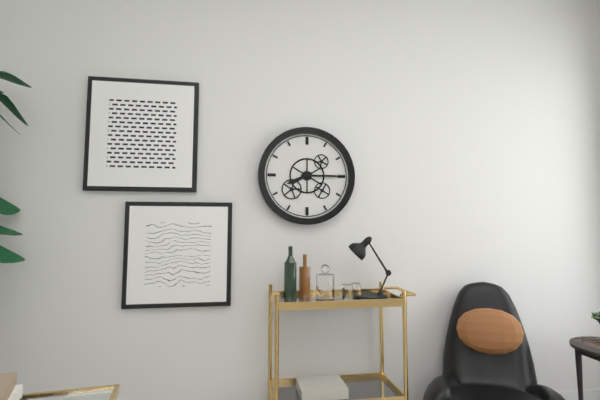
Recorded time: 8.15
